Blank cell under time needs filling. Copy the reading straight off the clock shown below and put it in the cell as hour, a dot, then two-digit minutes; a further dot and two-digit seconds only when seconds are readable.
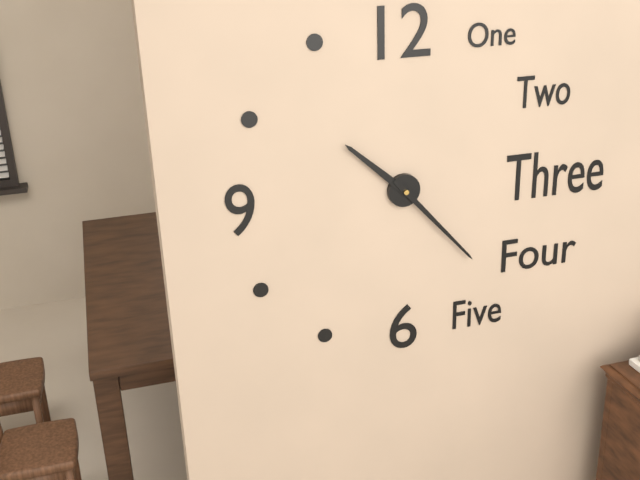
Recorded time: 10.23
